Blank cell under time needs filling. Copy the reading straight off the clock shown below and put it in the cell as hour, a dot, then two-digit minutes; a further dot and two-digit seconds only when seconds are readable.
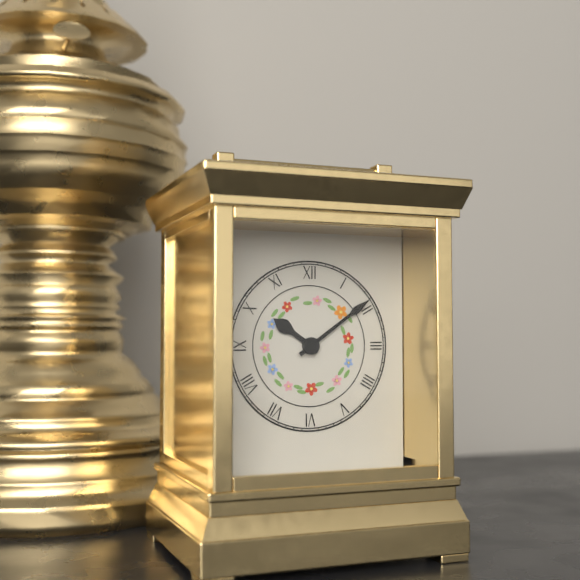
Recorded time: 10.09
